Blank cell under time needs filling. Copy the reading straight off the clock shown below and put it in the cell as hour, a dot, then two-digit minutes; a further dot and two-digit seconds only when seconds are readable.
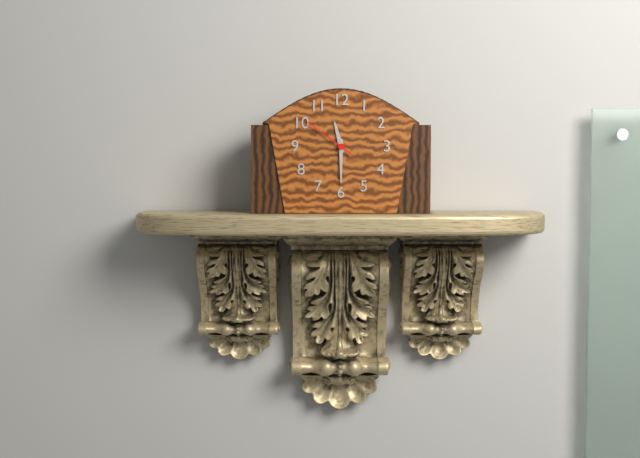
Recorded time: 11.30.51
